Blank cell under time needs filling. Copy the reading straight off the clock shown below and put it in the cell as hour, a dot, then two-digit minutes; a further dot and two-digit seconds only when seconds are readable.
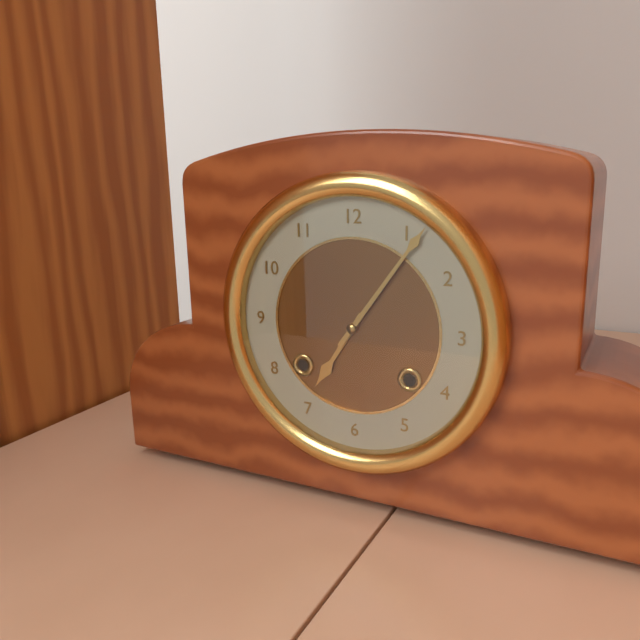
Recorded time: 7.06
